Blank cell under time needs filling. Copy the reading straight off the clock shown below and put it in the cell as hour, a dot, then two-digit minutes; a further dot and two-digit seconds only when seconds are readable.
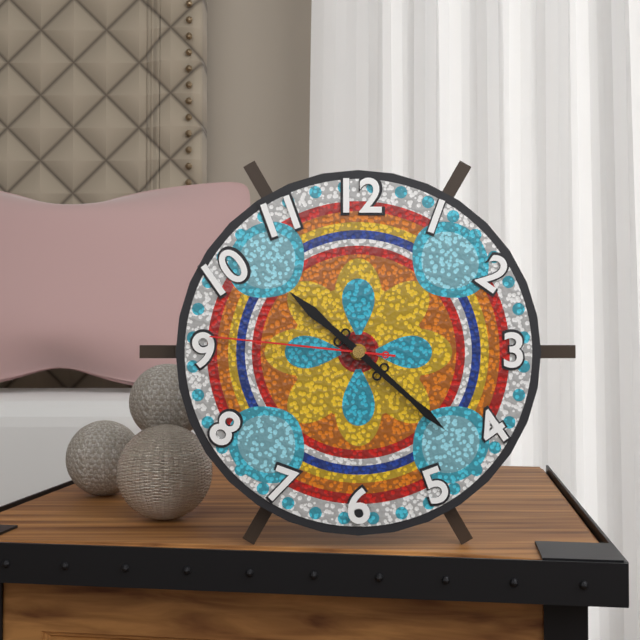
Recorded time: 10.22.46
